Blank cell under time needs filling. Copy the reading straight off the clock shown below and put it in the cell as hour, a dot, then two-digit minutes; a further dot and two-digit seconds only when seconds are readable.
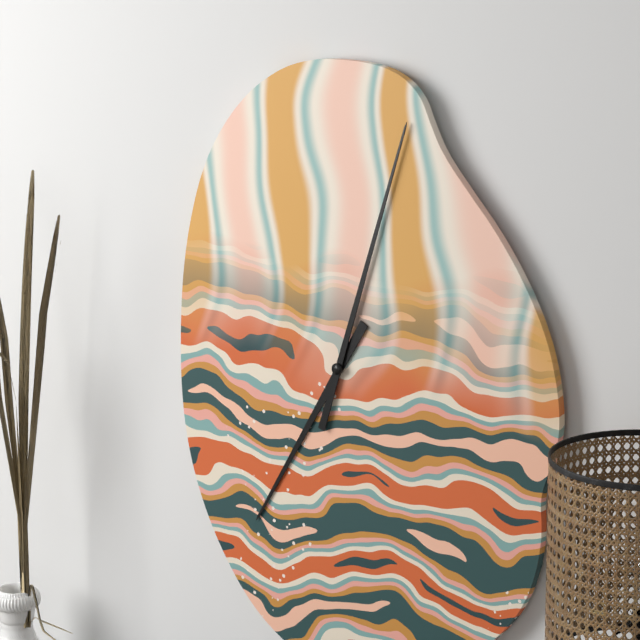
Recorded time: 7.03
